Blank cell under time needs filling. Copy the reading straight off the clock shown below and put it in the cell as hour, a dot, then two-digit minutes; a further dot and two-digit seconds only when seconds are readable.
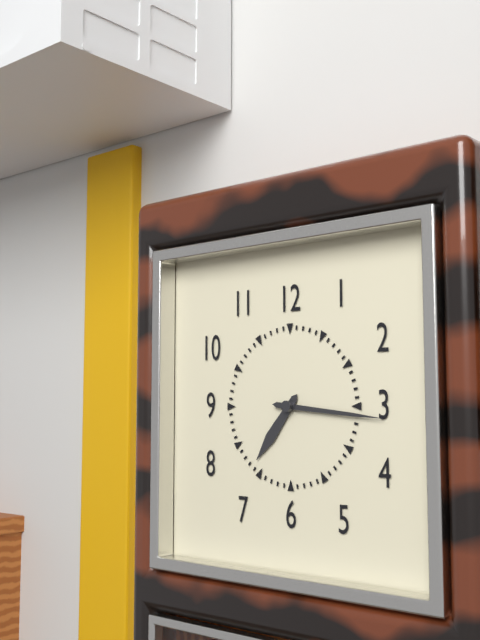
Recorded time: 7.16
